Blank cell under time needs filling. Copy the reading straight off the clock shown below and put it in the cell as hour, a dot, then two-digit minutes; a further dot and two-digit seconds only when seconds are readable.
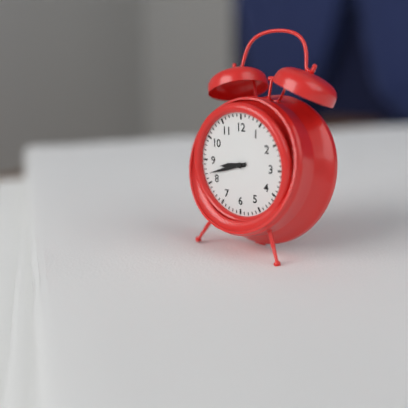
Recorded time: 8.42
